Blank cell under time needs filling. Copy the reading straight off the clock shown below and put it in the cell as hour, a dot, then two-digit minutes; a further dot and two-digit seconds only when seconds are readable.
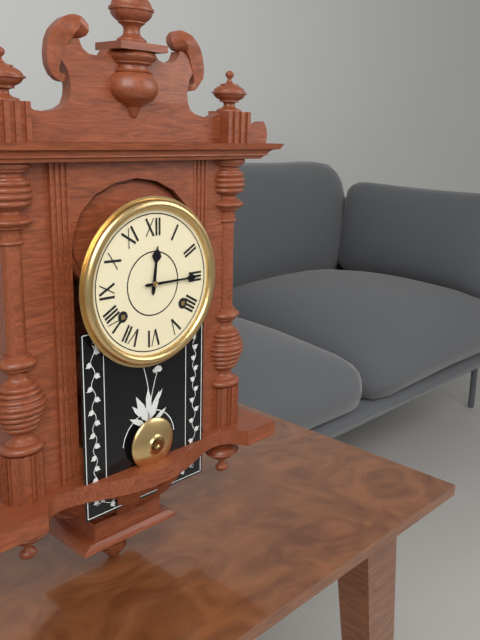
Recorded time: 12.15
